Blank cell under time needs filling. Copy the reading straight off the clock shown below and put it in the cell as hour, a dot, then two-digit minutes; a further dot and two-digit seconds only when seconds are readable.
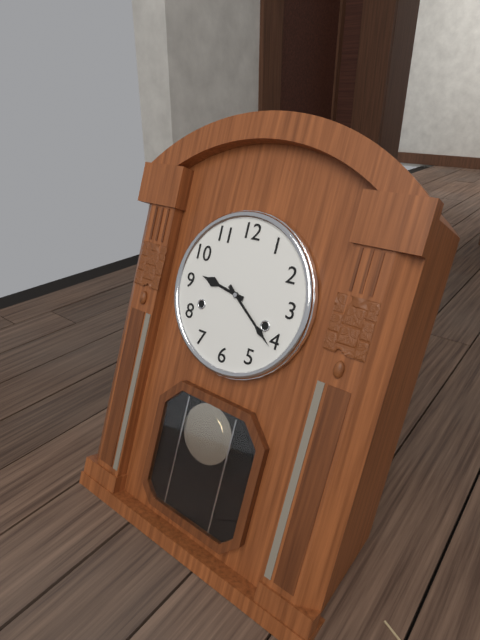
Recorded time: 9.21
